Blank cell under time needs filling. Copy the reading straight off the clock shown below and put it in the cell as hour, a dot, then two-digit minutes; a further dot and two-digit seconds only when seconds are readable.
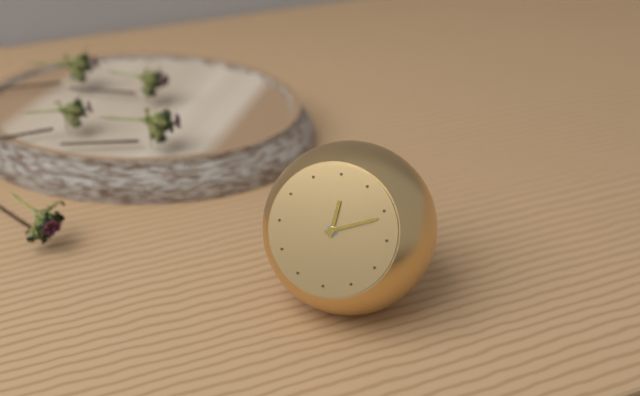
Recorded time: 12.11
